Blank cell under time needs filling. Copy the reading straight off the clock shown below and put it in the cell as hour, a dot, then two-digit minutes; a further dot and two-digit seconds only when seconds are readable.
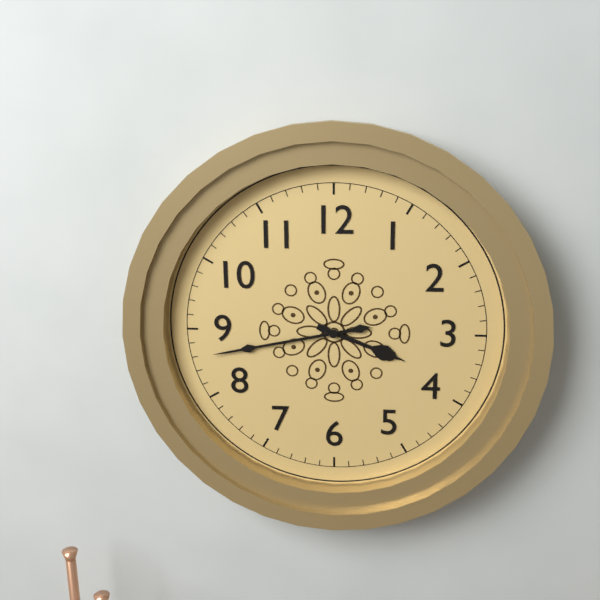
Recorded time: 3.43
